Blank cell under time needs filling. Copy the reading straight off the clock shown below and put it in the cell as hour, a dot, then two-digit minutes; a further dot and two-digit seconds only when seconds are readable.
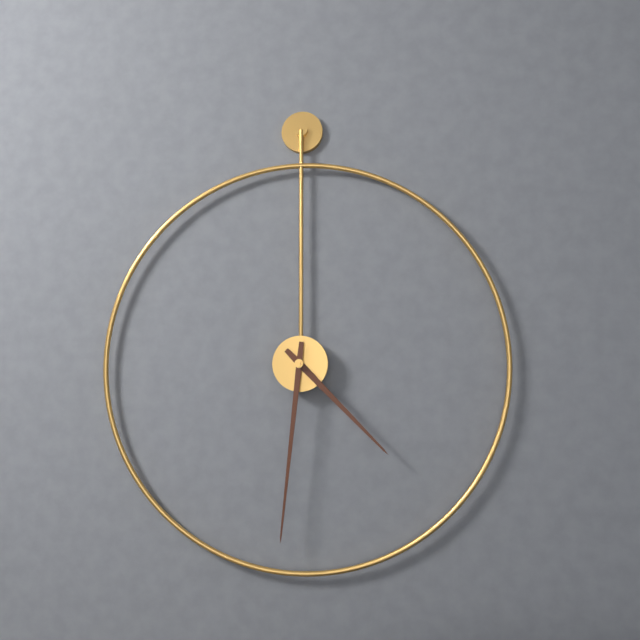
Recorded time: 4.31
